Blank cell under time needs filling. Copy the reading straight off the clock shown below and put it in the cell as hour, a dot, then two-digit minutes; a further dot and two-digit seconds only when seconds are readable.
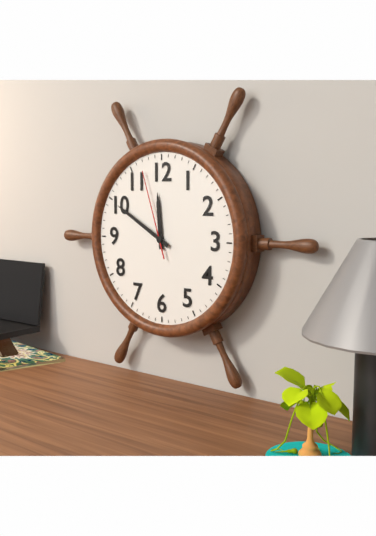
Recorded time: 11.50.57
